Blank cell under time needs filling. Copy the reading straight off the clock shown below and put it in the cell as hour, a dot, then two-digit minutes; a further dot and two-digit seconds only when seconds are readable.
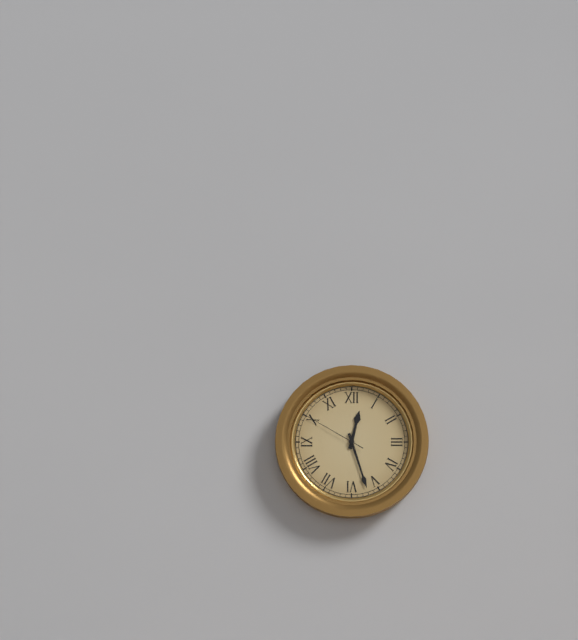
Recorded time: 12.27.50
